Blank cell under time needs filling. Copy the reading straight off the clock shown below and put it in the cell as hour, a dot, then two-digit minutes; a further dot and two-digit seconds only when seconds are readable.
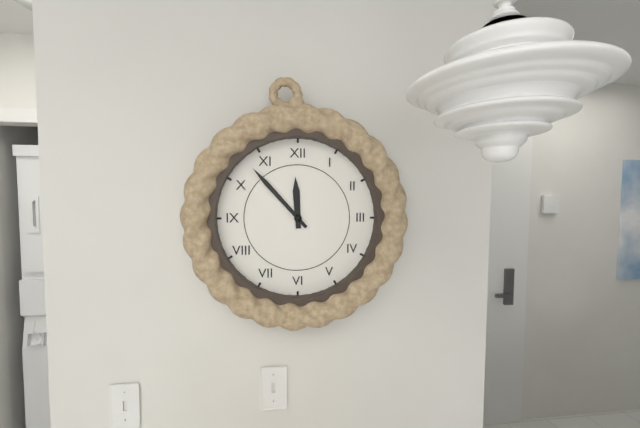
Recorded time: 11.53
